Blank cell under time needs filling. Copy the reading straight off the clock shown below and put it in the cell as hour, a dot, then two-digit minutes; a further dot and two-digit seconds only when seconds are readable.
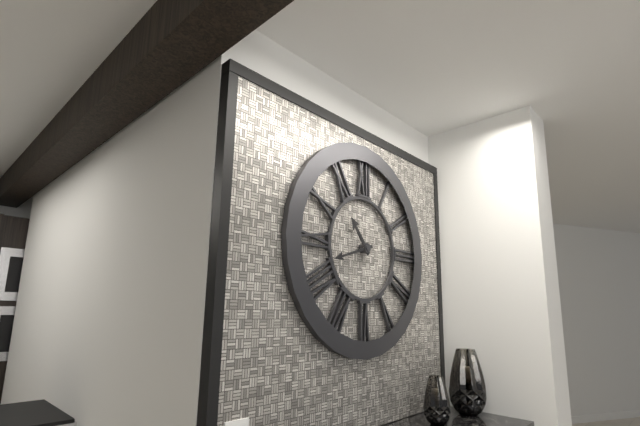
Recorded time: 10.42
